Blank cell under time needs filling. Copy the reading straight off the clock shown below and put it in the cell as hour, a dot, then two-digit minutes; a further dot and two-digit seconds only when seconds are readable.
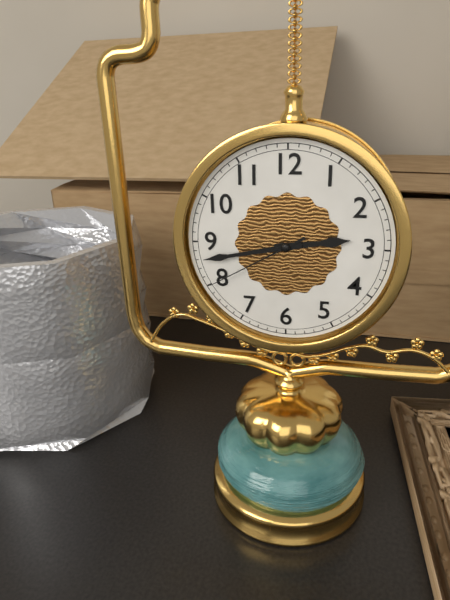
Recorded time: 2.43.40
